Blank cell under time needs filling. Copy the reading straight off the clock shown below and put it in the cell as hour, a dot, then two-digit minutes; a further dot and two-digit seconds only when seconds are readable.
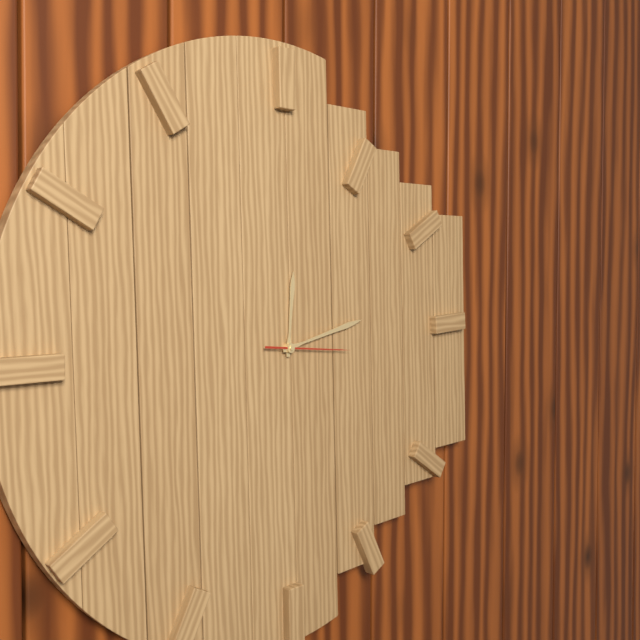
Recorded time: 12.13.16
